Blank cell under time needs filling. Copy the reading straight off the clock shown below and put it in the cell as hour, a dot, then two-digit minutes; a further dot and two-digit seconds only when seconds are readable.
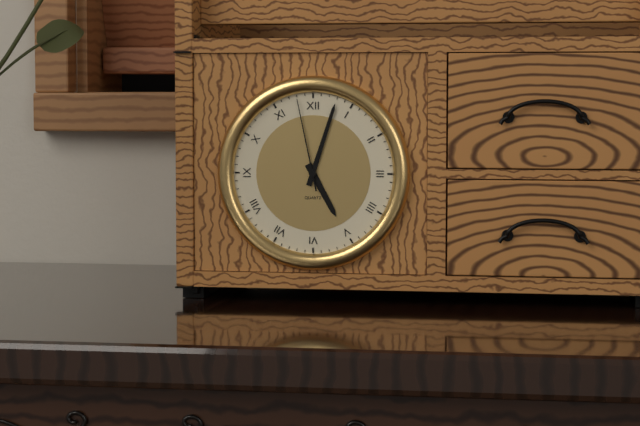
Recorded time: 5.03.58
